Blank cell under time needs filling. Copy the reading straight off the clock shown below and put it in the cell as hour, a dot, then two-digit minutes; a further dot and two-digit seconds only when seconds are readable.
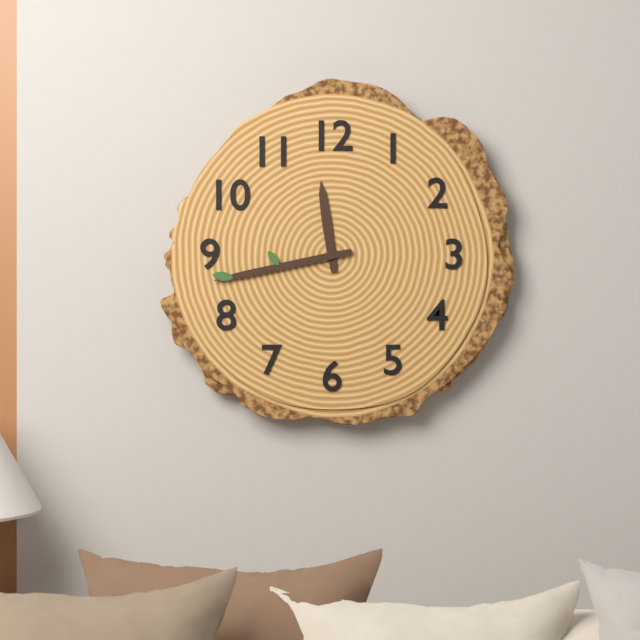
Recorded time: 11.43
